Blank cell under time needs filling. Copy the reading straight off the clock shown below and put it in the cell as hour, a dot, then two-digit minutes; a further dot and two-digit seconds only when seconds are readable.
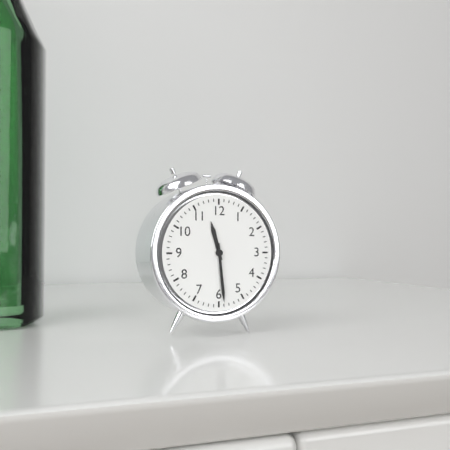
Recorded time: 11.29
